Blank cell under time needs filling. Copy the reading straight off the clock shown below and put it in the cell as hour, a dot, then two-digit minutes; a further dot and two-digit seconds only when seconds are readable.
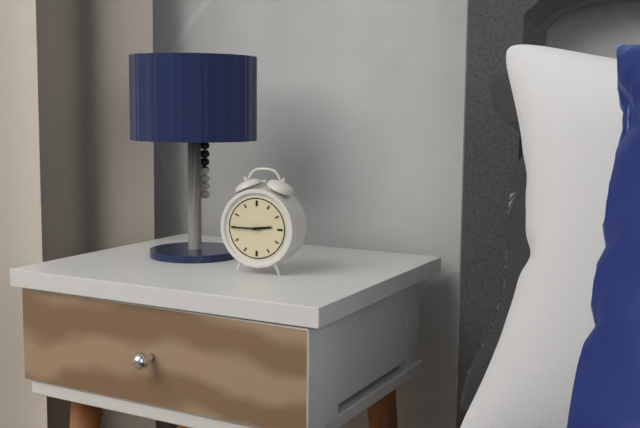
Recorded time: 2.45
